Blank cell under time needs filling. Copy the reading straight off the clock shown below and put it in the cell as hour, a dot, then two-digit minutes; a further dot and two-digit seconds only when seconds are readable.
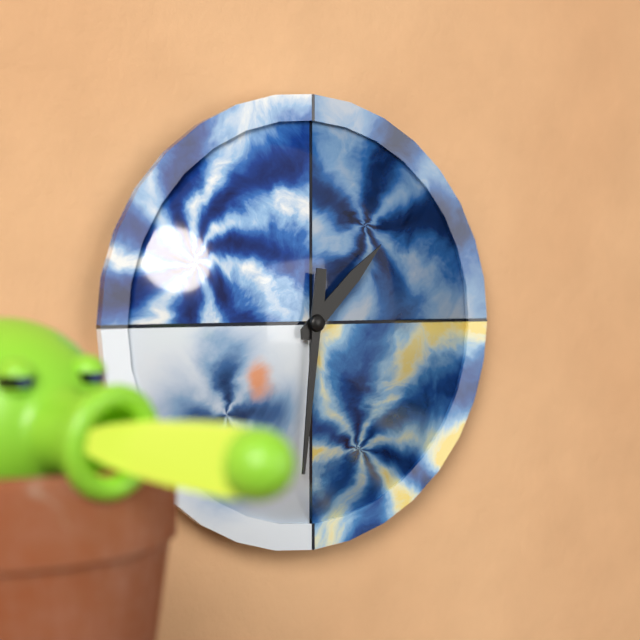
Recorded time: 1.31
